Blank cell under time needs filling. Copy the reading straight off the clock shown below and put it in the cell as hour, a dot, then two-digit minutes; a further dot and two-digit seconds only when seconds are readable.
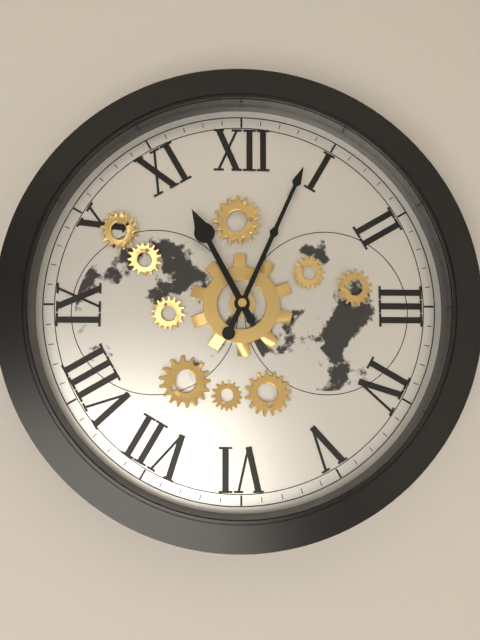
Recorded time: 11.04
